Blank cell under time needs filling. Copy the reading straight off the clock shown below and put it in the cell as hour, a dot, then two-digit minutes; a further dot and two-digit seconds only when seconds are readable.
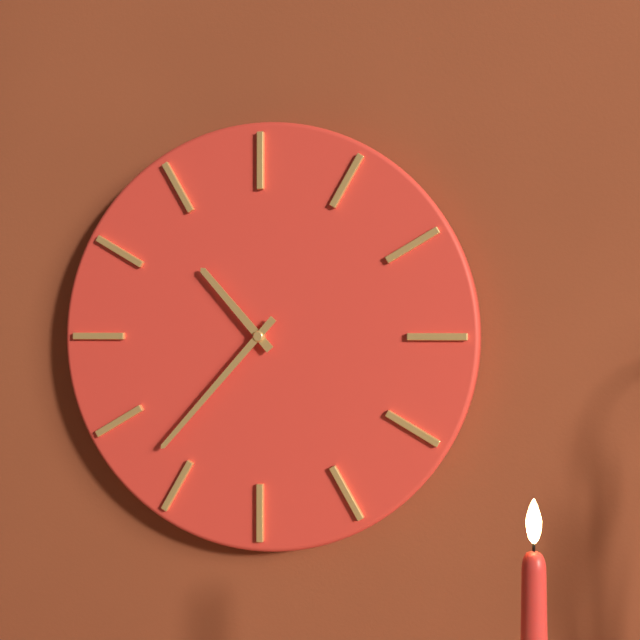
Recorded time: 10.37
